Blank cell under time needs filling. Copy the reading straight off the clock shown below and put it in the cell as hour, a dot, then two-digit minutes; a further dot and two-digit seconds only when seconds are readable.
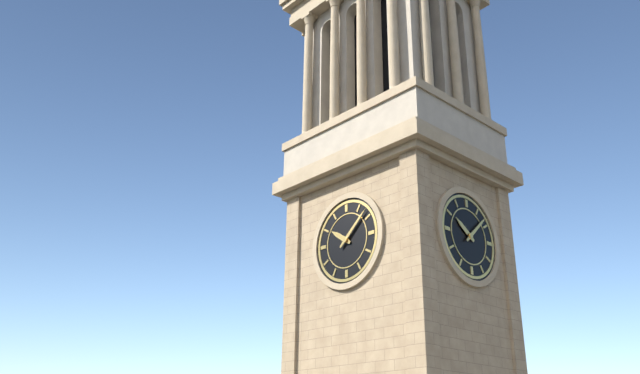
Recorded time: 10.08
